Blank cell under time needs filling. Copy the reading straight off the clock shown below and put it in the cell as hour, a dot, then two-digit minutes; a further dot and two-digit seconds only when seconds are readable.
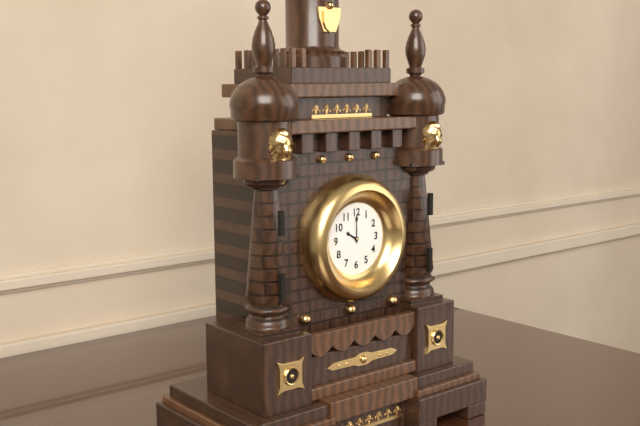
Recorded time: 10.00
